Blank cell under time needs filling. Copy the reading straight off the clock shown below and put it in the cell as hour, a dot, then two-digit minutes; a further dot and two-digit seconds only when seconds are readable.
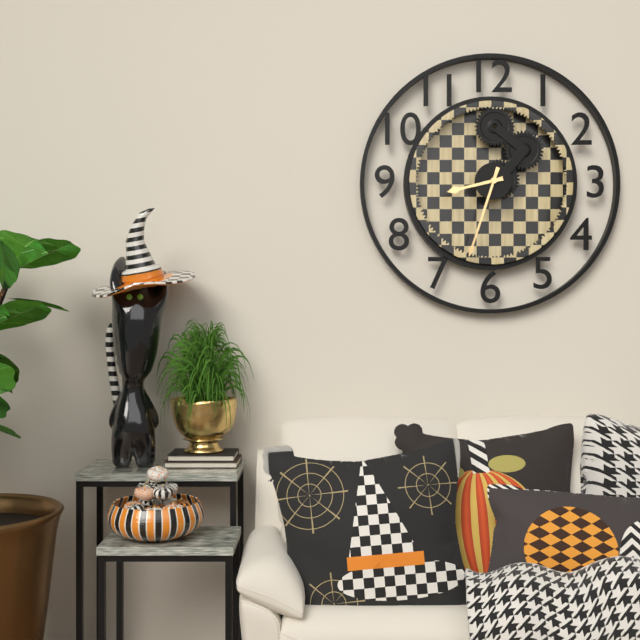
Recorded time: 8.33
